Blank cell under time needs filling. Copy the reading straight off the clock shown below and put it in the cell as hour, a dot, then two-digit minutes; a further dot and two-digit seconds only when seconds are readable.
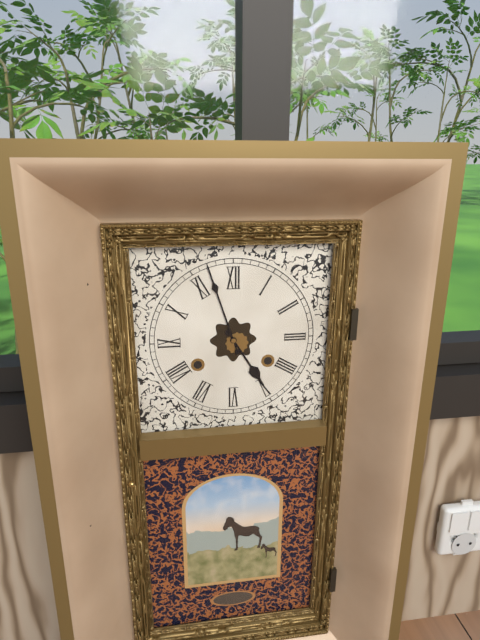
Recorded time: 4.57
